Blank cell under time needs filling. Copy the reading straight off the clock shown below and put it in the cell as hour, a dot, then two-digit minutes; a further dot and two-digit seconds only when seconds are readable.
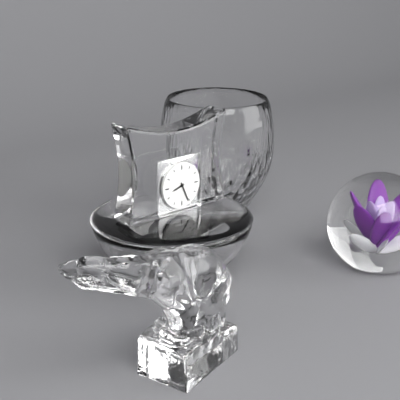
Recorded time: 8.26
